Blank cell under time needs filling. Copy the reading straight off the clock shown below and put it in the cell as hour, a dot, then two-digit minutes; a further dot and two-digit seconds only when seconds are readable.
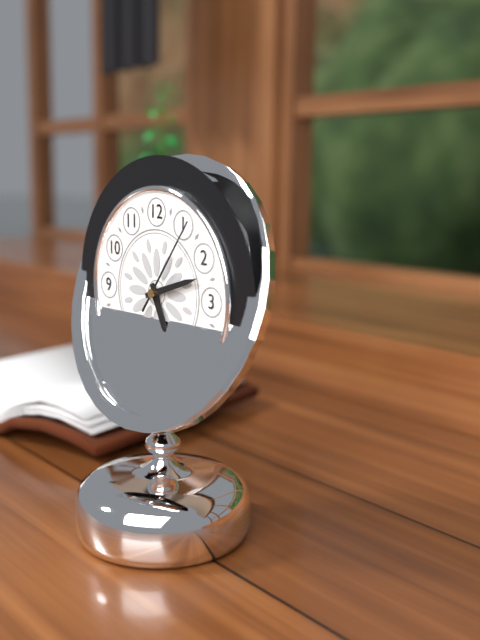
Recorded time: 5.12.06
